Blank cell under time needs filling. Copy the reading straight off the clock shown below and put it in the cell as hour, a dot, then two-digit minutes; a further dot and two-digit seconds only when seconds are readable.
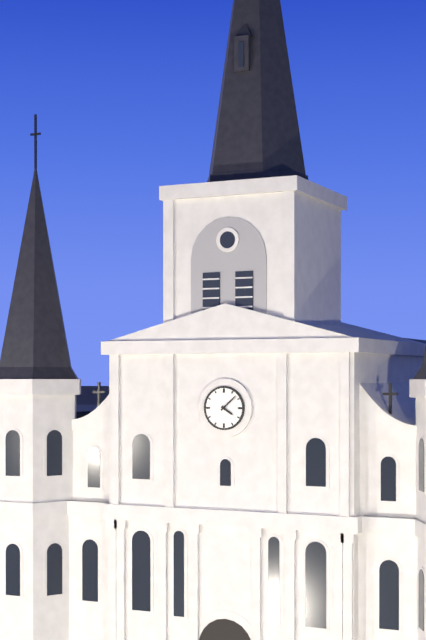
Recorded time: 4.08
